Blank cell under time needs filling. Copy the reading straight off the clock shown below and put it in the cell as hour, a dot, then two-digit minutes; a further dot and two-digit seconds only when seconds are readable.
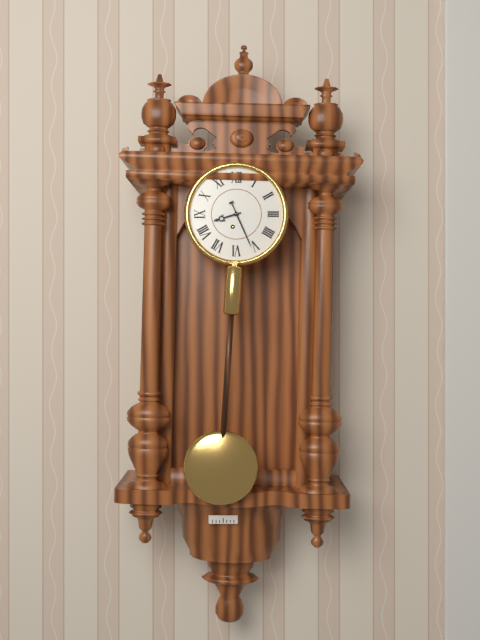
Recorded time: 8.26
